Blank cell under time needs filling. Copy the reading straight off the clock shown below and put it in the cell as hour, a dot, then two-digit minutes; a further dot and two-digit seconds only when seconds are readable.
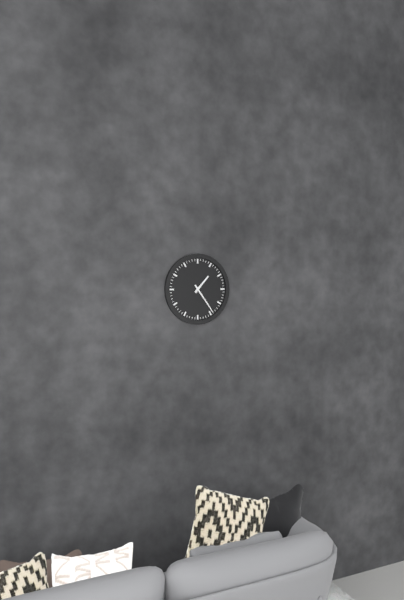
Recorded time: 1.24
